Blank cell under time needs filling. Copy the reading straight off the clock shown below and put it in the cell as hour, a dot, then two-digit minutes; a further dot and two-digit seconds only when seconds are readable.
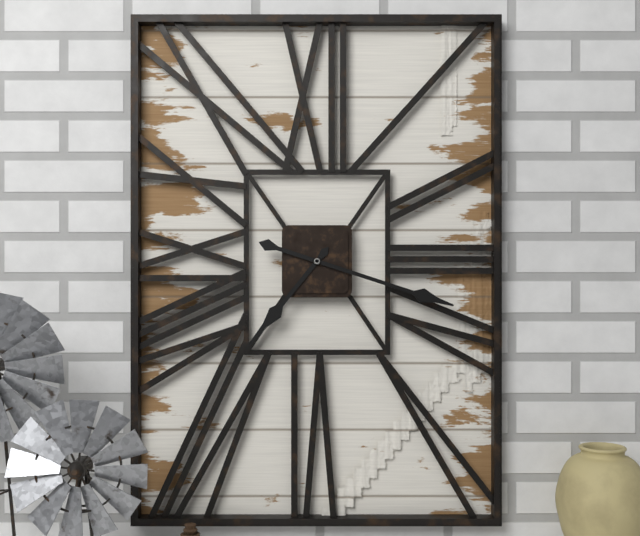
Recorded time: 7.18
